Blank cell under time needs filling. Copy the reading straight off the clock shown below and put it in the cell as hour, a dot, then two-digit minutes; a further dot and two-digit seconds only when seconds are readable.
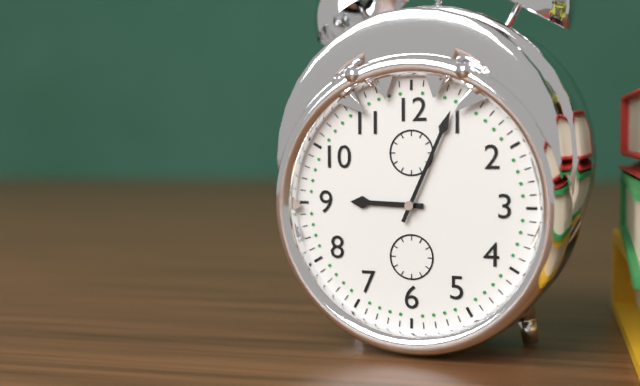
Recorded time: 9.04
